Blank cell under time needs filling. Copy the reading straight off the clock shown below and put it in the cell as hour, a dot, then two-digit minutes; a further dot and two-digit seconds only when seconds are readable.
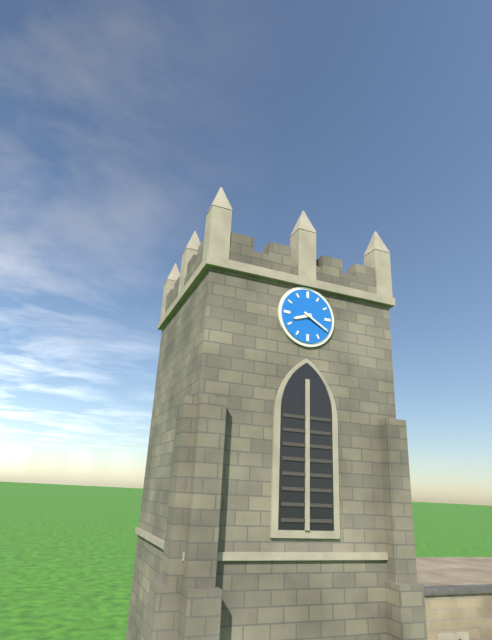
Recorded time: 8.20
